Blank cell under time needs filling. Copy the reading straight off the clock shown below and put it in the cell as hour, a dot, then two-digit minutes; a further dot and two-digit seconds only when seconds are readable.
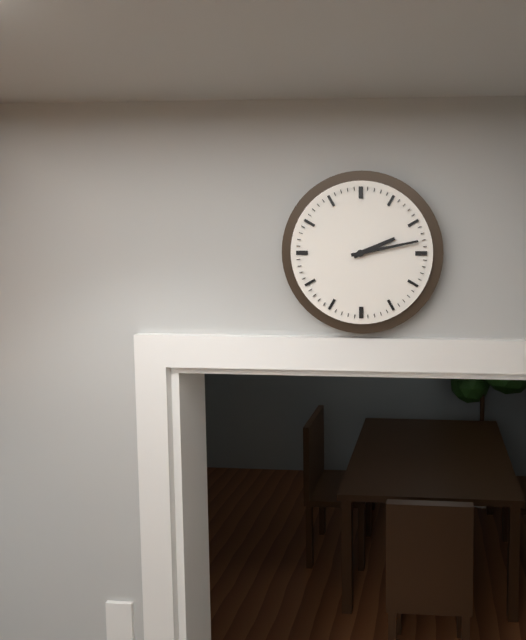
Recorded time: 2.13
